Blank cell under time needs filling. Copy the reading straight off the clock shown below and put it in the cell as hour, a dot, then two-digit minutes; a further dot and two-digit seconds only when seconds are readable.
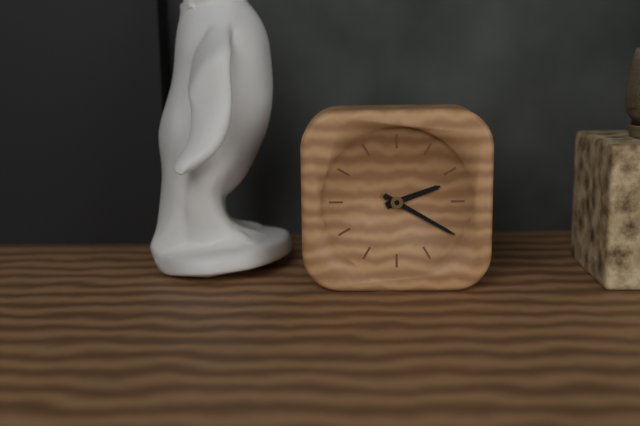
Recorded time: 2.20
